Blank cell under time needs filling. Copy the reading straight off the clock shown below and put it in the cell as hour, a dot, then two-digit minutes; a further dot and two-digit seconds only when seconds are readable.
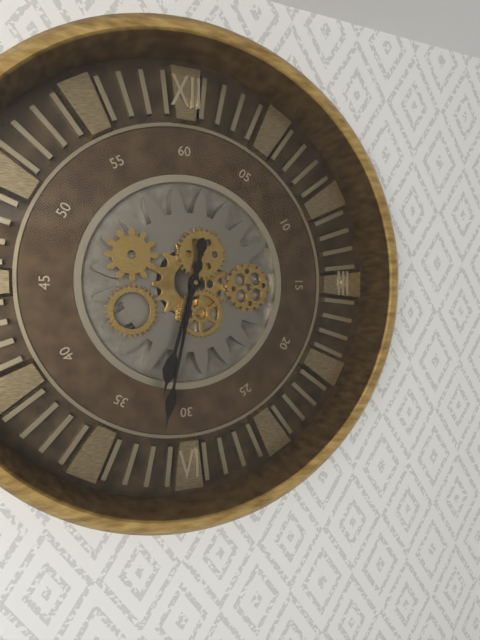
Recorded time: 6.32
